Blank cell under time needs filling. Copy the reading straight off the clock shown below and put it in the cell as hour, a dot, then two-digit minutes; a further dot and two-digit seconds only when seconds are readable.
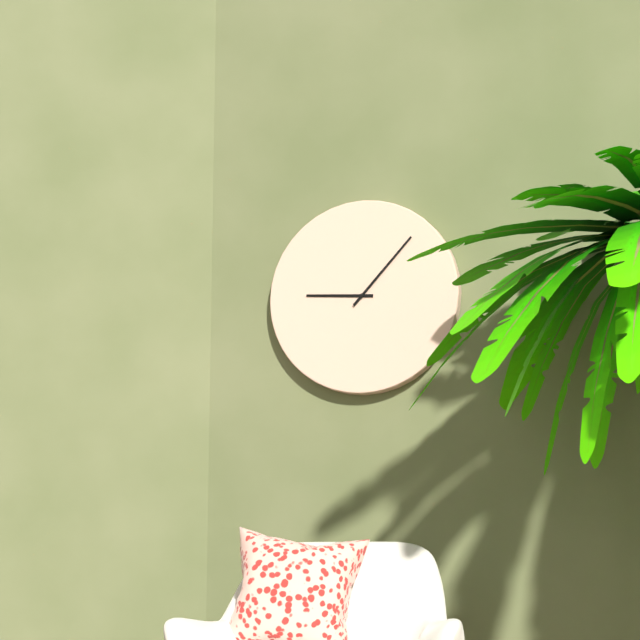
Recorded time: 9.07
